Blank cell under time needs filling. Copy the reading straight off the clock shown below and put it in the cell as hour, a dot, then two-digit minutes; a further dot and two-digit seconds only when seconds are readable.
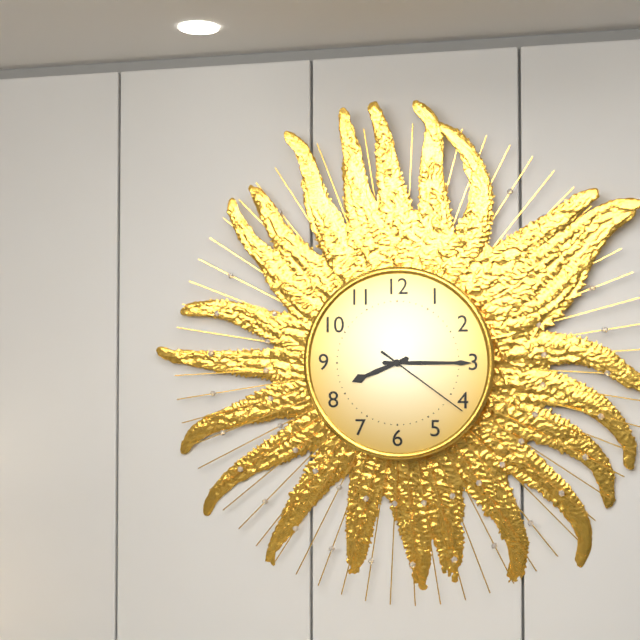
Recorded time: 8.15.21
